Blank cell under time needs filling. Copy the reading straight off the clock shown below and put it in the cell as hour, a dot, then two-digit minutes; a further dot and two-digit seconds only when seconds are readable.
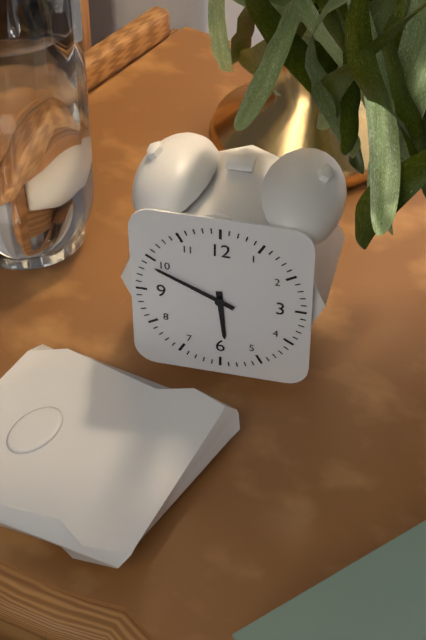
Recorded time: 5.49
